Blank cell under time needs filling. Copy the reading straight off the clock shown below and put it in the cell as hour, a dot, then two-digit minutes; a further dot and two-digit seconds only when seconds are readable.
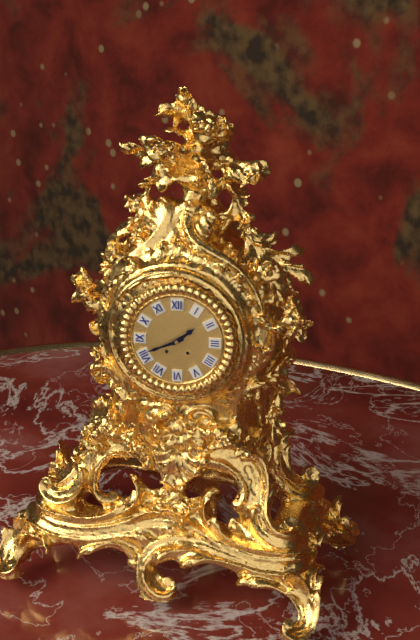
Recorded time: 1.41
